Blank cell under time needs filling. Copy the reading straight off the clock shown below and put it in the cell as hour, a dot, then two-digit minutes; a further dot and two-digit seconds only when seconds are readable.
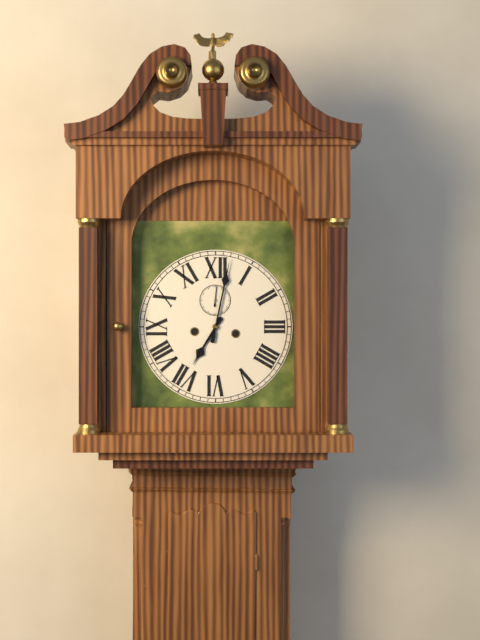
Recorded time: 7.02
